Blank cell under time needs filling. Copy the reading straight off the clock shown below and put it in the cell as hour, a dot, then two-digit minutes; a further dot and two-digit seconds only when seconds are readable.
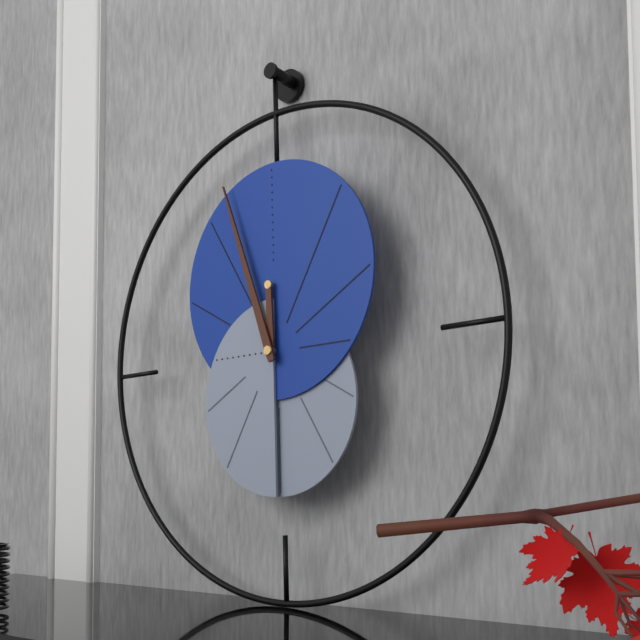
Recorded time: 11.57
